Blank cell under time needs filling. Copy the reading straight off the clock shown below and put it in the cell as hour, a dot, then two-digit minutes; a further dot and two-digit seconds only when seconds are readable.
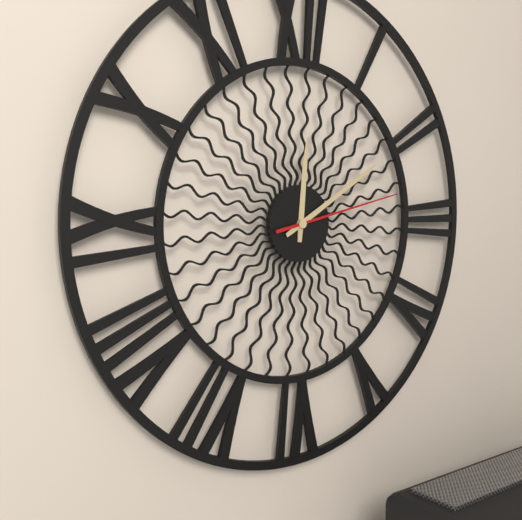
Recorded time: 12.10.13
